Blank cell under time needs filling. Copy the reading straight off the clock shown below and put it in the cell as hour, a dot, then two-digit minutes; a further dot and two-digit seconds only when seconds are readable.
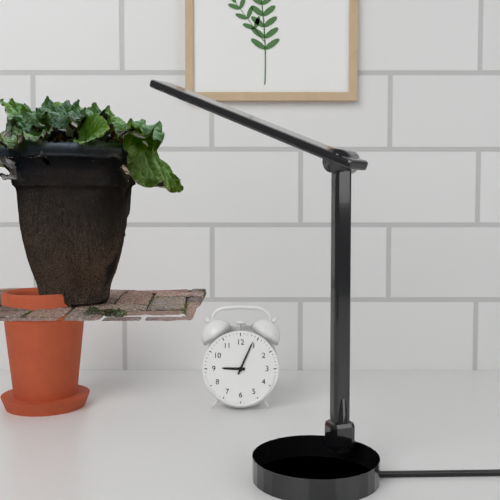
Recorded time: 9.04
